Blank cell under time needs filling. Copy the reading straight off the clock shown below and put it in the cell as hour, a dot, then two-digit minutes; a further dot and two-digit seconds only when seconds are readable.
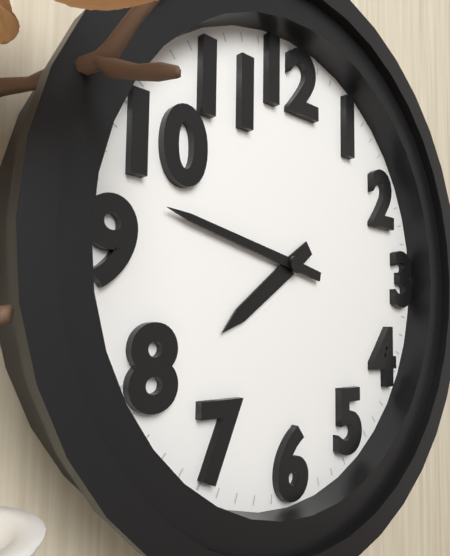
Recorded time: 7.47
